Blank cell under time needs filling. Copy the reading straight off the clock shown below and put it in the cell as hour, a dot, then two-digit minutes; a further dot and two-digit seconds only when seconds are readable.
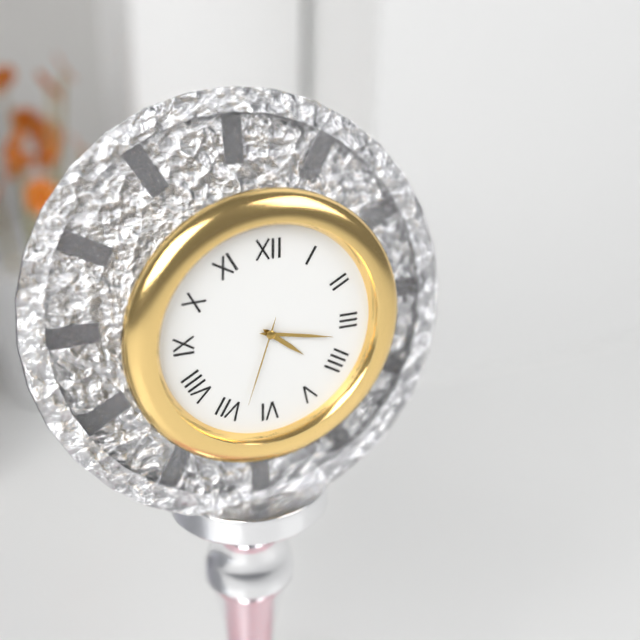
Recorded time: 4.17.33
